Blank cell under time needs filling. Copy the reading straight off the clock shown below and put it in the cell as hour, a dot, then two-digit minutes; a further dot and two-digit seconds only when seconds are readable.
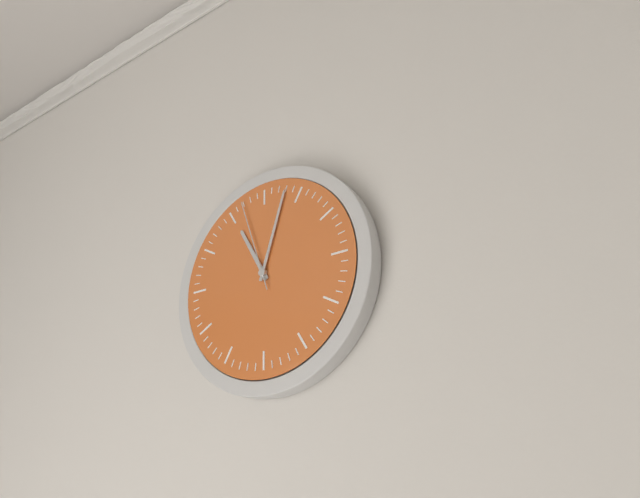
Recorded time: 11.03.57
